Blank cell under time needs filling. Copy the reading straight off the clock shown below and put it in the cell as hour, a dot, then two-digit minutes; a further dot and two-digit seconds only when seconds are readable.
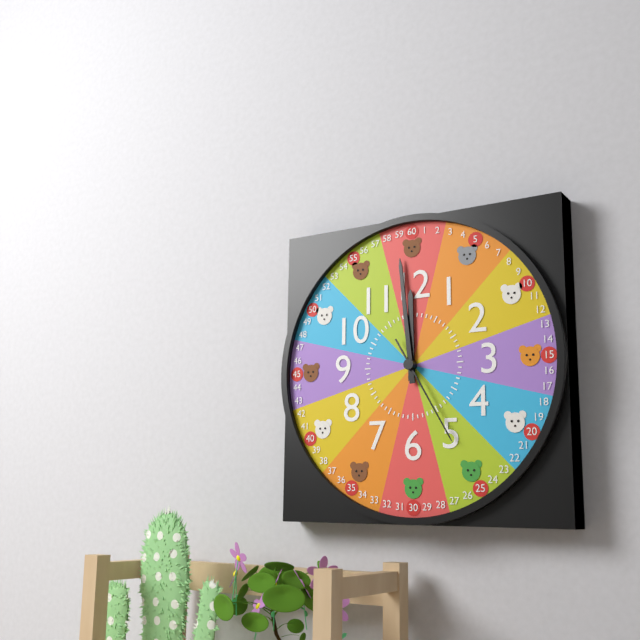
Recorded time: 11.59.25
